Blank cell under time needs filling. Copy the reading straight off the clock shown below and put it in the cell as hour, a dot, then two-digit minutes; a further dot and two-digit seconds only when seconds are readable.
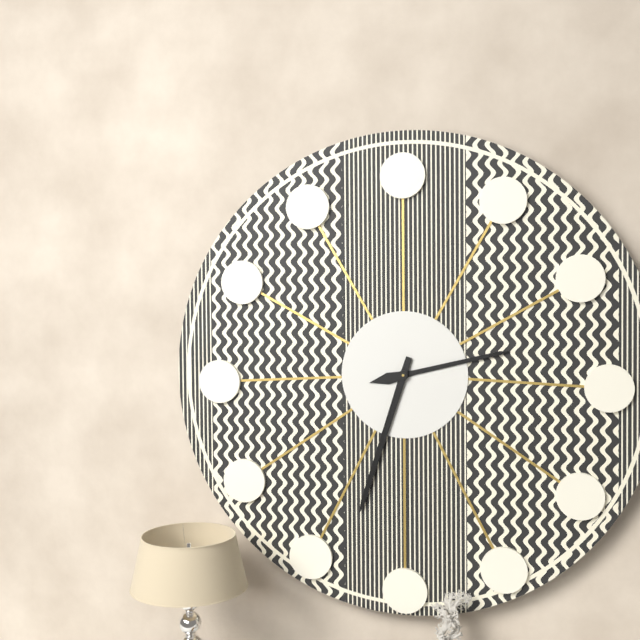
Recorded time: 2.33
